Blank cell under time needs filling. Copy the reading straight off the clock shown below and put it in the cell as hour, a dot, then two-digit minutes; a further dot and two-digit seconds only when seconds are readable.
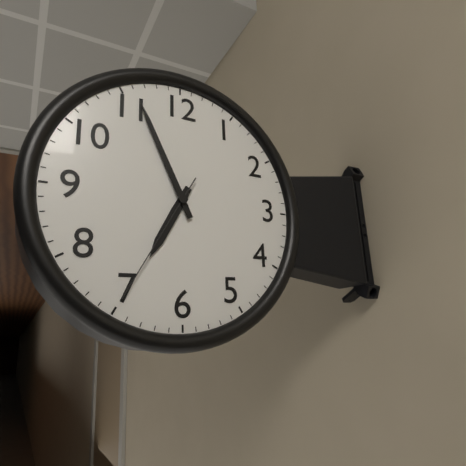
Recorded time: 6.56.35
